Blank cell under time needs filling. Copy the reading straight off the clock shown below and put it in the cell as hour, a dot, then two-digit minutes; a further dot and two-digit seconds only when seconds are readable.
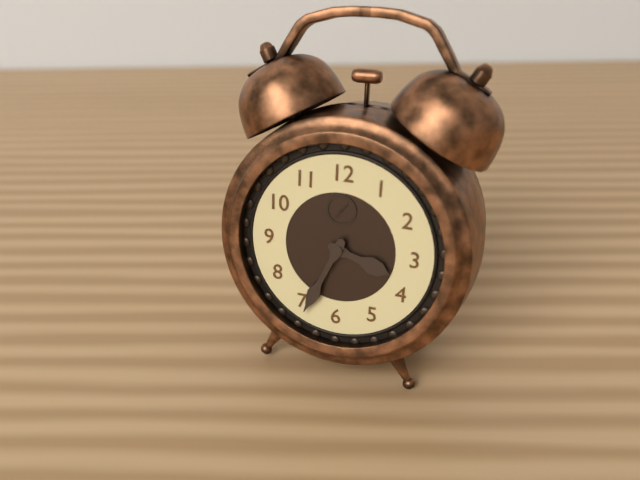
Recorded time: 3.34
